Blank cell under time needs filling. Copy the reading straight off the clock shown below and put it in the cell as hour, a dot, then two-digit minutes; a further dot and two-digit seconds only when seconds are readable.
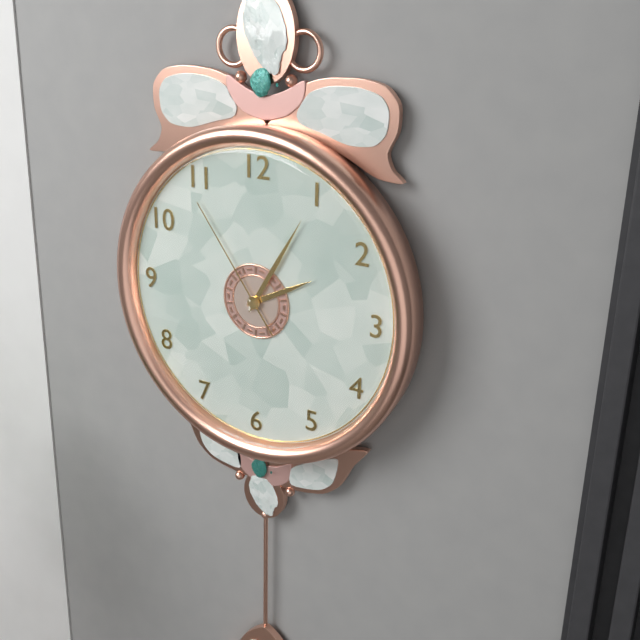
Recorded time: 2.05.54
